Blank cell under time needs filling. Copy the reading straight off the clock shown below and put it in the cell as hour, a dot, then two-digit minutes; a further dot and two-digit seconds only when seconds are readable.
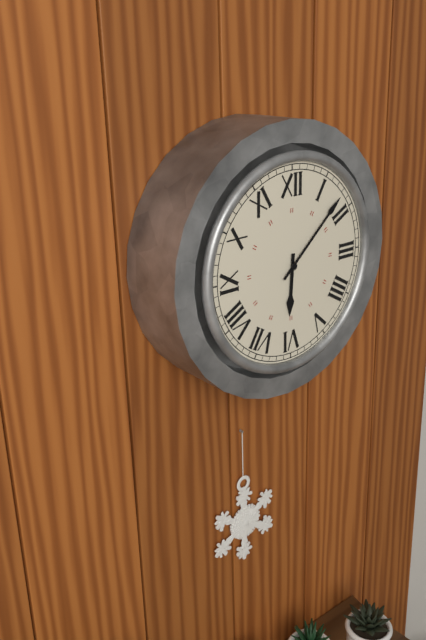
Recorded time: 6.08
